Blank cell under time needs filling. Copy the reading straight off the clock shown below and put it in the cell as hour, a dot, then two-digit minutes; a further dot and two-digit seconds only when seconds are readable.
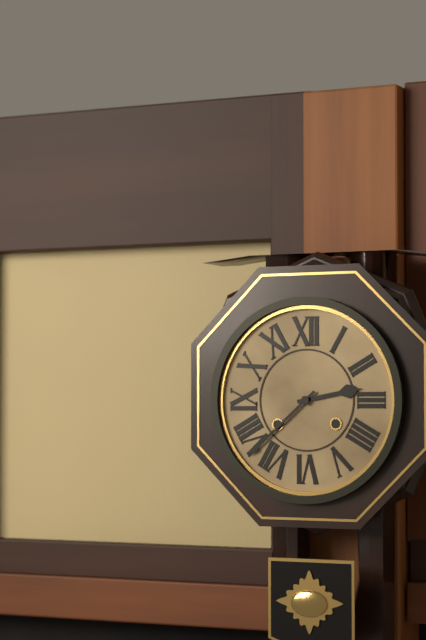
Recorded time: 2.38
